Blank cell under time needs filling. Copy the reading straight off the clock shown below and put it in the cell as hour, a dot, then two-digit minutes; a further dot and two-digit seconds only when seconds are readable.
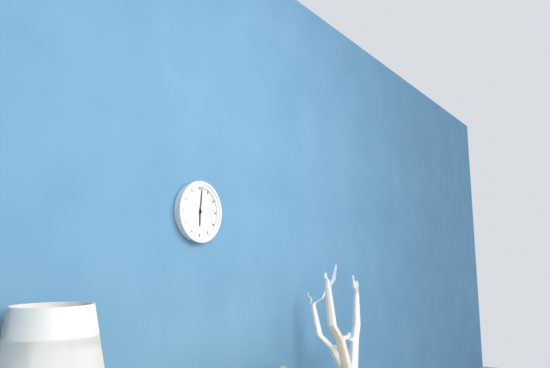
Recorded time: 6.01
